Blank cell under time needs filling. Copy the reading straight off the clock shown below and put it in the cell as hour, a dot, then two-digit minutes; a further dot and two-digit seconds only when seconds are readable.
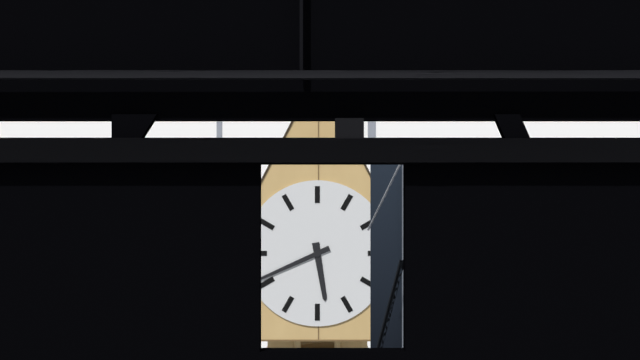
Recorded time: 5.41
